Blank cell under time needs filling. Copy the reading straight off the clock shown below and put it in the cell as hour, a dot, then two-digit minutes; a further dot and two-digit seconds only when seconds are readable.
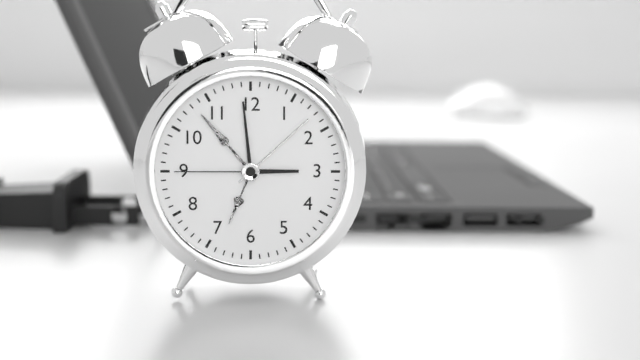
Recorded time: 2.59.45
